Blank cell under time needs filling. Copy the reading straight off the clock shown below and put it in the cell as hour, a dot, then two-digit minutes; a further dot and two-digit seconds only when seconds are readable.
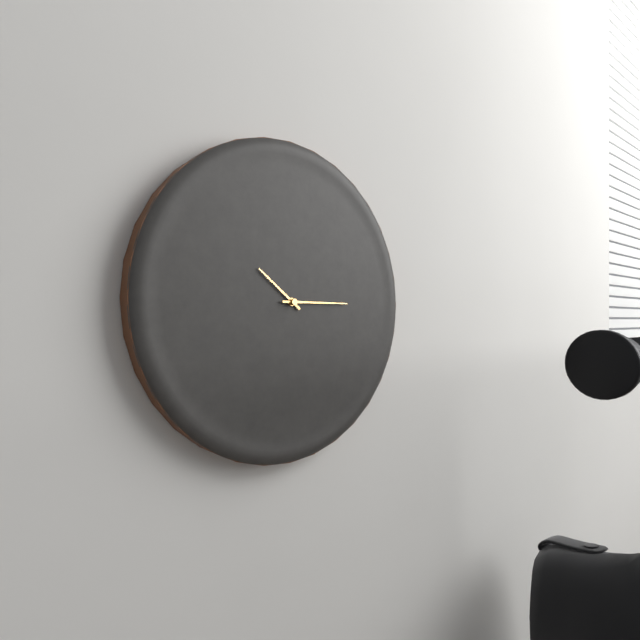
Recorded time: 10.15
